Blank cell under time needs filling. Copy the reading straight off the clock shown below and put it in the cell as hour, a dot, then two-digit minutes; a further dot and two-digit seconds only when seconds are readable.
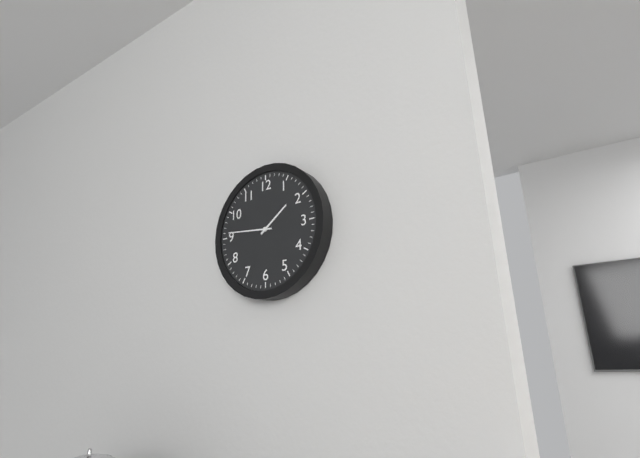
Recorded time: 1.46
